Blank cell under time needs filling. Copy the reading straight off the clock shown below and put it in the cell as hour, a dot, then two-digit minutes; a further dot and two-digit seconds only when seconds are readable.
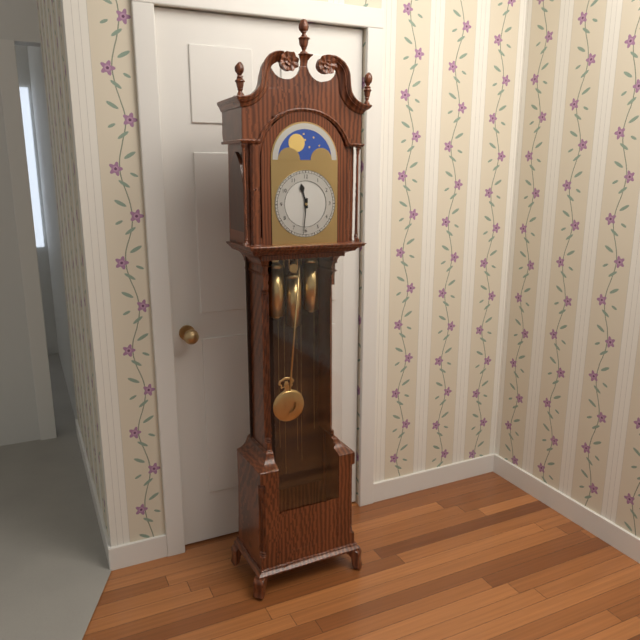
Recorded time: 11.31
